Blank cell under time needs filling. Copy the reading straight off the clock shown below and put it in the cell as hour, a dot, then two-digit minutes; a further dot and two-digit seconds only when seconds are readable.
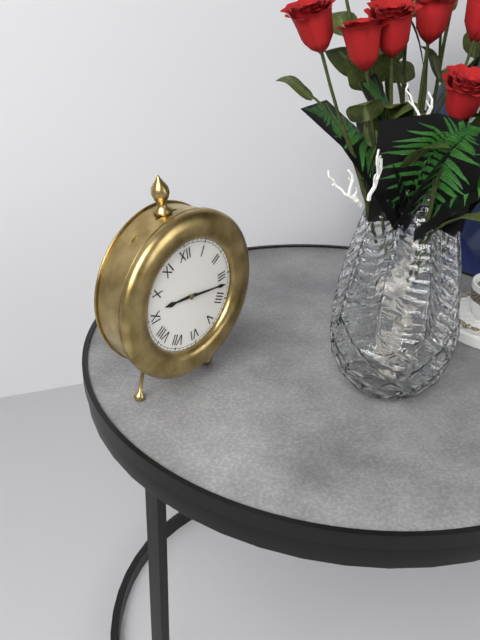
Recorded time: 9.17
